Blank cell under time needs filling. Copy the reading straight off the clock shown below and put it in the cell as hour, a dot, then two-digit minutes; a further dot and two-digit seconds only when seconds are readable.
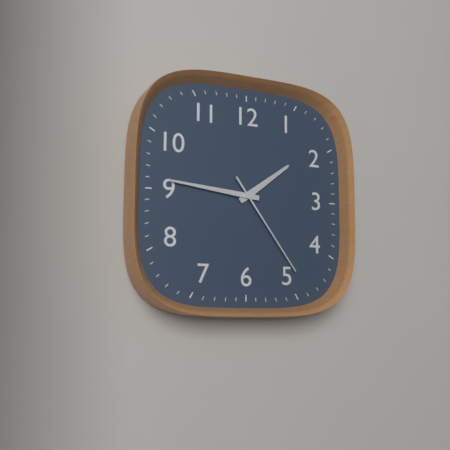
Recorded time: 1.46.24
